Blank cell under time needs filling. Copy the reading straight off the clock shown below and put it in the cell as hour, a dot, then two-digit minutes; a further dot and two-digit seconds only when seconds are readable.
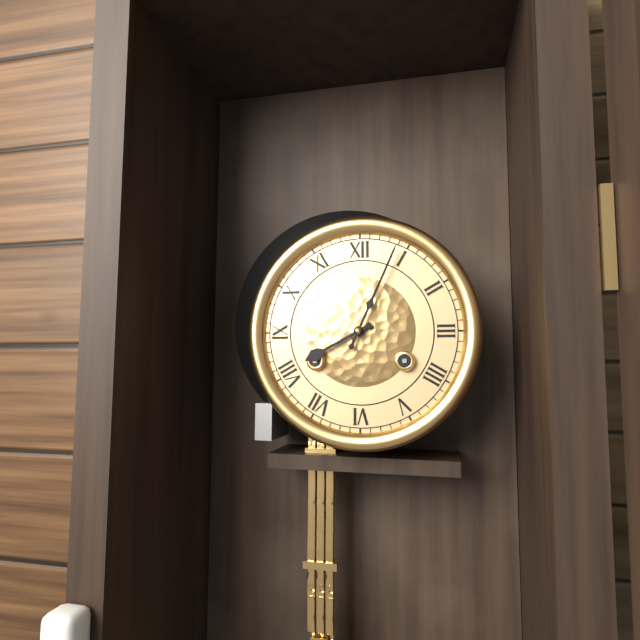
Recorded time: 8.04
